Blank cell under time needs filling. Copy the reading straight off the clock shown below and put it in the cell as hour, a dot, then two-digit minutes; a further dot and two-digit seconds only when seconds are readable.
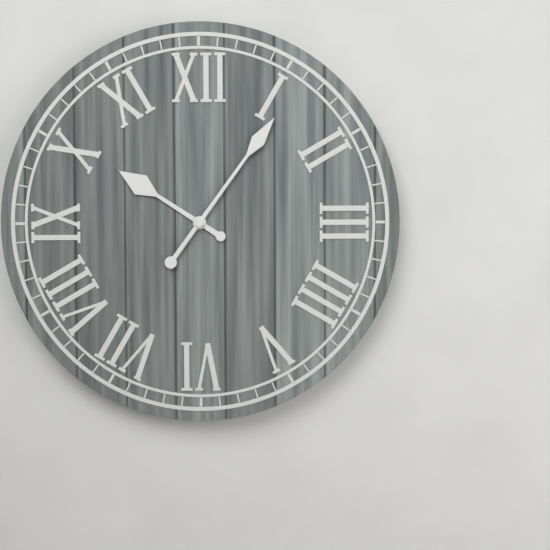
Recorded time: 10.06
